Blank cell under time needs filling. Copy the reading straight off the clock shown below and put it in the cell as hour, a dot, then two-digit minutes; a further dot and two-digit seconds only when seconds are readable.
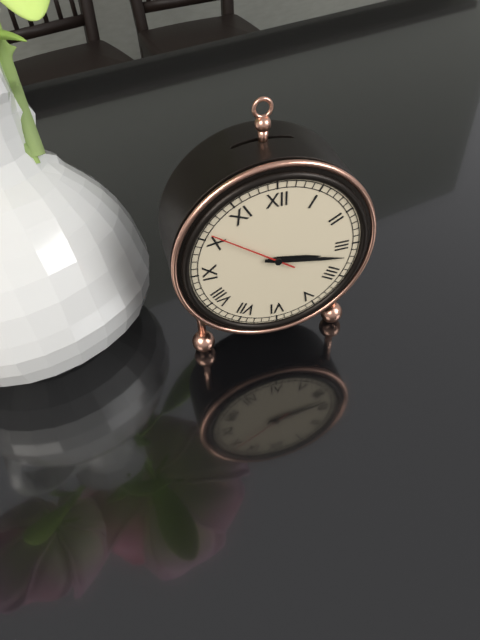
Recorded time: 3.17.51
